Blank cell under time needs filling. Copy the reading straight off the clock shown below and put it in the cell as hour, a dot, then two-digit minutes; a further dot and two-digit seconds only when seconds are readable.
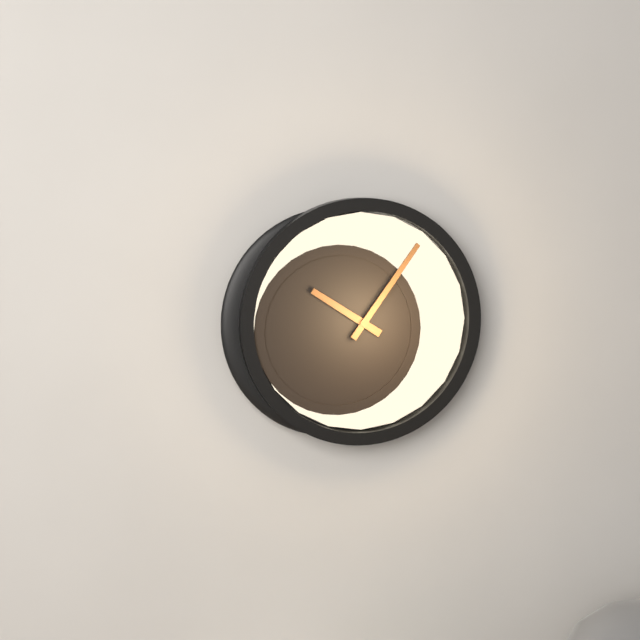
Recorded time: 10.06
